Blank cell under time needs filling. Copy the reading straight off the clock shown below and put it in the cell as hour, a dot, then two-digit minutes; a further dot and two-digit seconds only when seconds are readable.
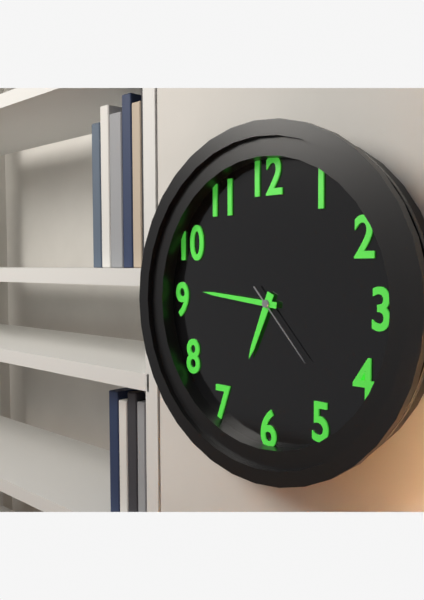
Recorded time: 6.46.23
